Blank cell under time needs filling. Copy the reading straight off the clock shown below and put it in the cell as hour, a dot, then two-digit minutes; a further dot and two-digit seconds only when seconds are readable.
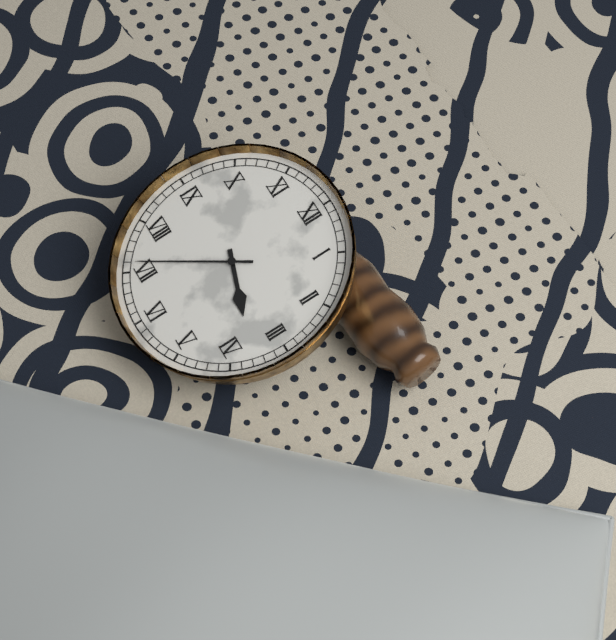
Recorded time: 3.36
